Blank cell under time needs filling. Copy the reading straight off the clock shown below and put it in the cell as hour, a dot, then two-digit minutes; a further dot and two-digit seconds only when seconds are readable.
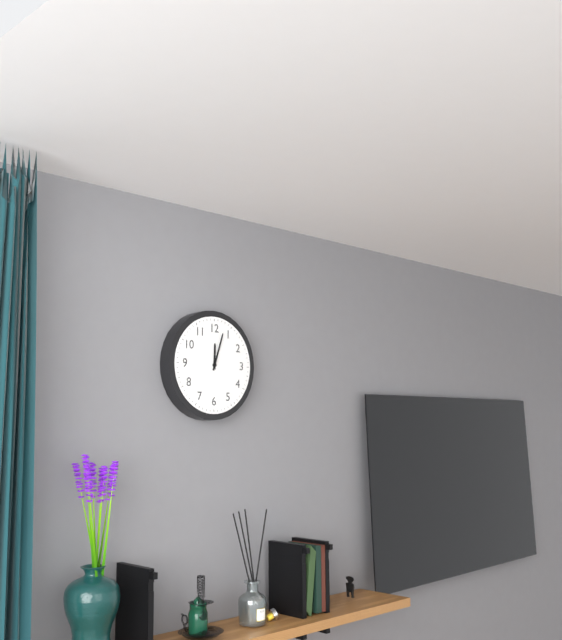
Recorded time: 12.03
